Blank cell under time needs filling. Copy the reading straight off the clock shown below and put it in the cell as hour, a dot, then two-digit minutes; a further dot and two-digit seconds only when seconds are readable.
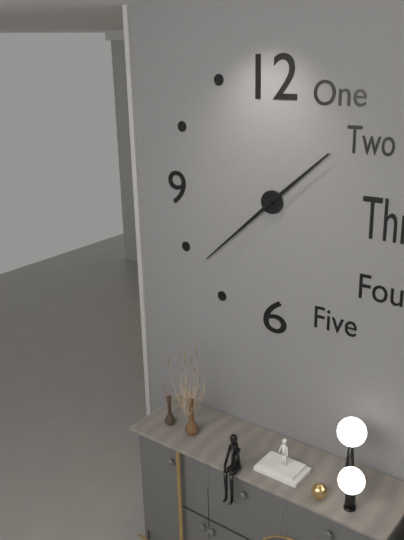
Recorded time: 1.38
